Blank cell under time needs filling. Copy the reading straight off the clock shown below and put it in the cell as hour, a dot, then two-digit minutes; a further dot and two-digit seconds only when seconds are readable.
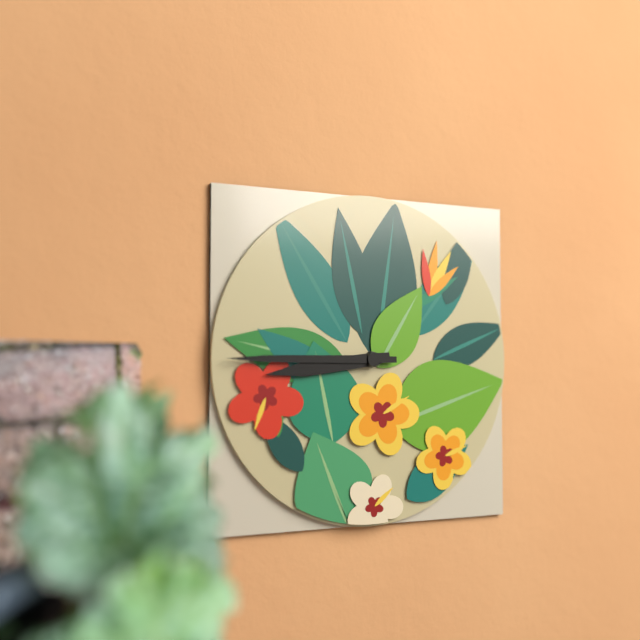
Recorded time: 8.45
